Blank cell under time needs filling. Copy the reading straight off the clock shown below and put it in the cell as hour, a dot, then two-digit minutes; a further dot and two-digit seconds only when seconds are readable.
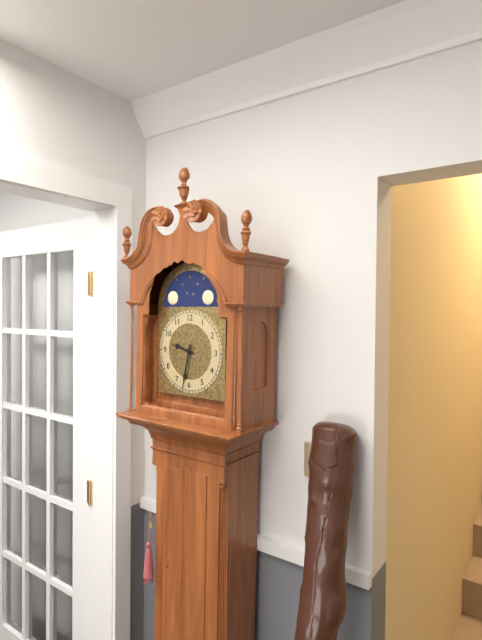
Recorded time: 9.32
